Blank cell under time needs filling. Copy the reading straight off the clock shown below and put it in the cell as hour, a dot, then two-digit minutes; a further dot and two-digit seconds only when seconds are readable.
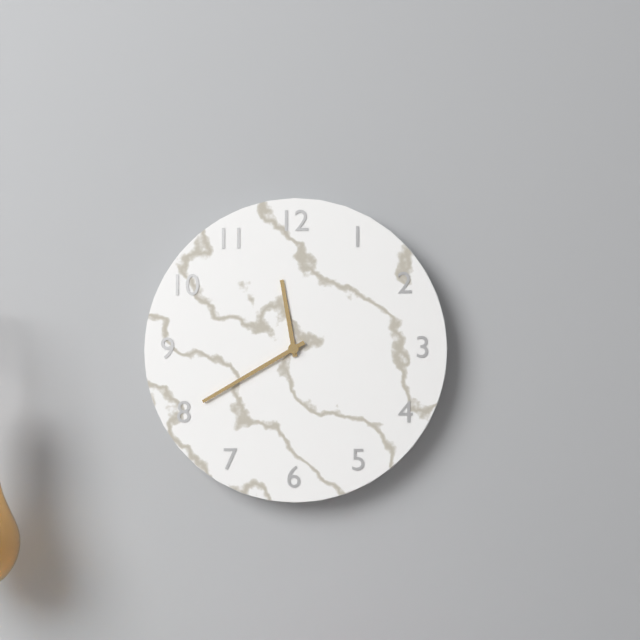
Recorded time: 11.40
